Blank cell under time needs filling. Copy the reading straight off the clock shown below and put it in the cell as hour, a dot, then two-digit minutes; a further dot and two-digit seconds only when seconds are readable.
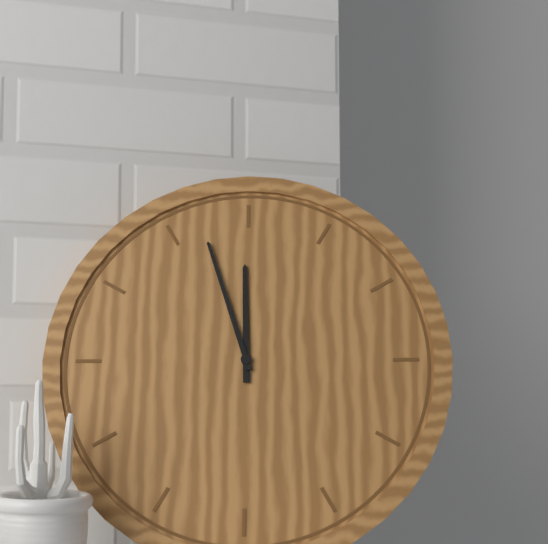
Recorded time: 11.57
